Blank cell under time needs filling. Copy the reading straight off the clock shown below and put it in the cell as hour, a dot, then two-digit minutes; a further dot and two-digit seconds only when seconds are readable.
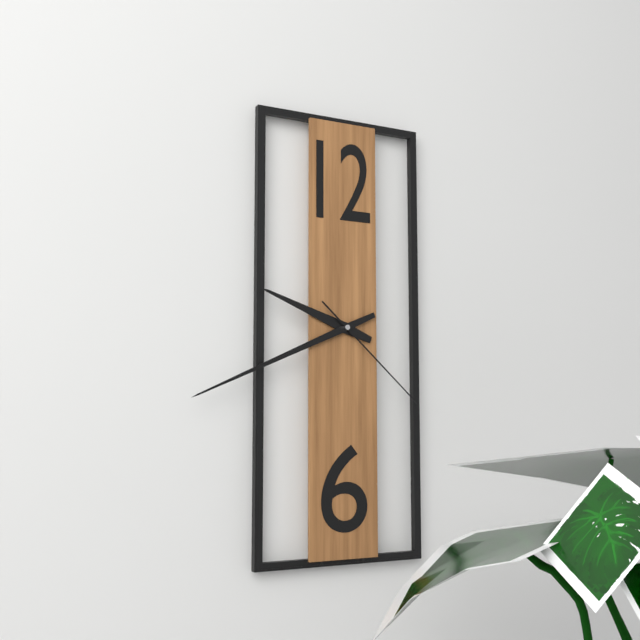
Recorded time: 9.41.22
